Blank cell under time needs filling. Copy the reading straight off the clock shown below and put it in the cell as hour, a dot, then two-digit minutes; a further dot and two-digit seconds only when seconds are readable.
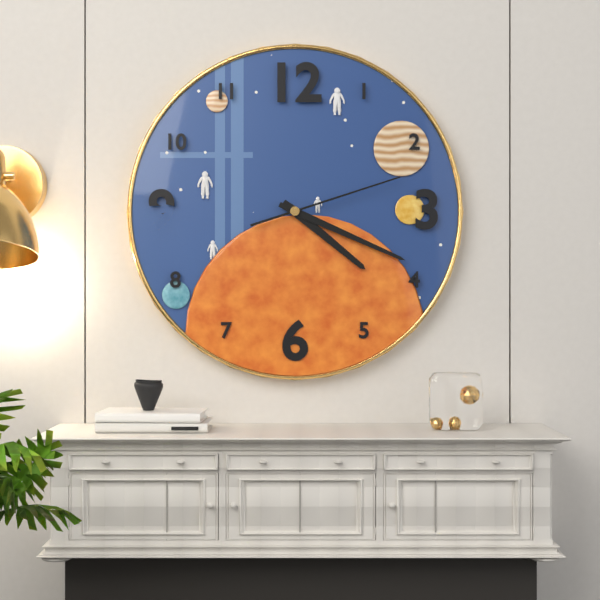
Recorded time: 4.19.12
